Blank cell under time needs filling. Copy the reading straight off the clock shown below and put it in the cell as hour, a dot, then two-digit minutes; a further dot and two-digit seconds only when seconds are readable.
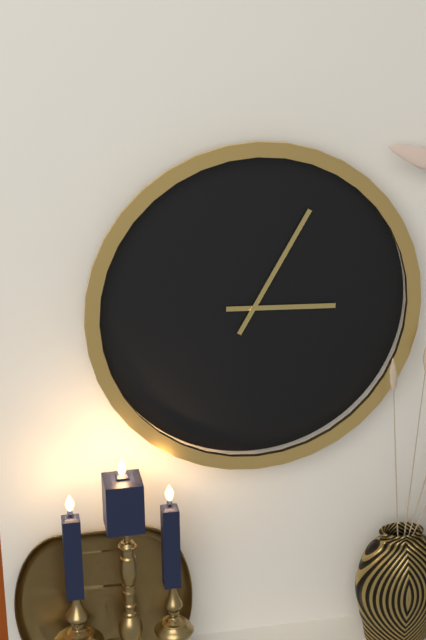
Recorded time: 3.05
